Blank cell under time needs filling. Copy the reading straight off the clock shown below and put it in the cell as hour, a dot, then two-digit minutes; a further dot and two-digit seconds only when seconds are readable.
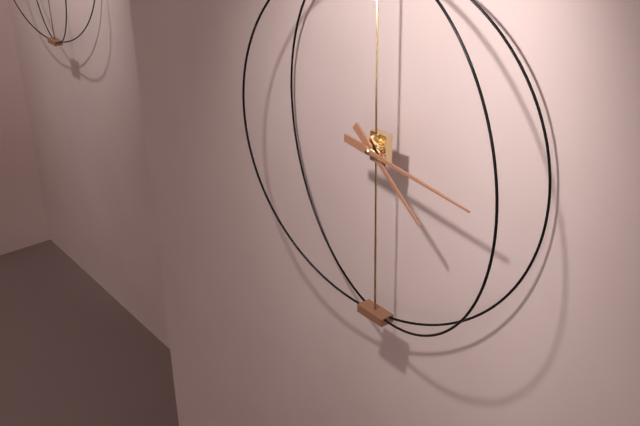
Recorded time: 4.16
